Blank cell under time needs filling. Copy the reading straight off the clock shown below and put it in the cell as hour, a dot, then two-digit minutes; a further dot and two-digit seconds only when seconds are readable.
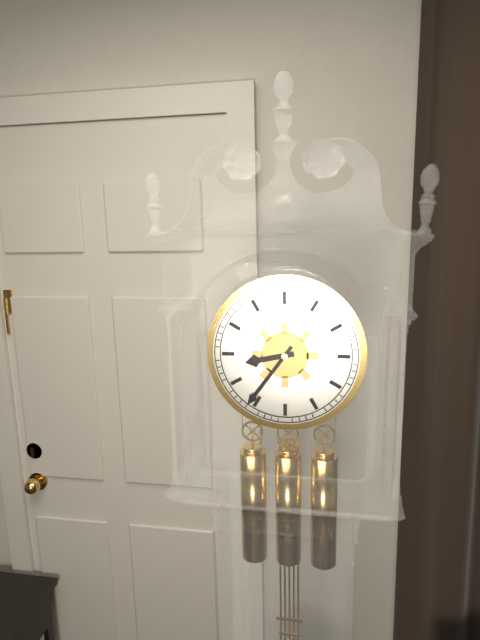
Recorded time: 8.36
